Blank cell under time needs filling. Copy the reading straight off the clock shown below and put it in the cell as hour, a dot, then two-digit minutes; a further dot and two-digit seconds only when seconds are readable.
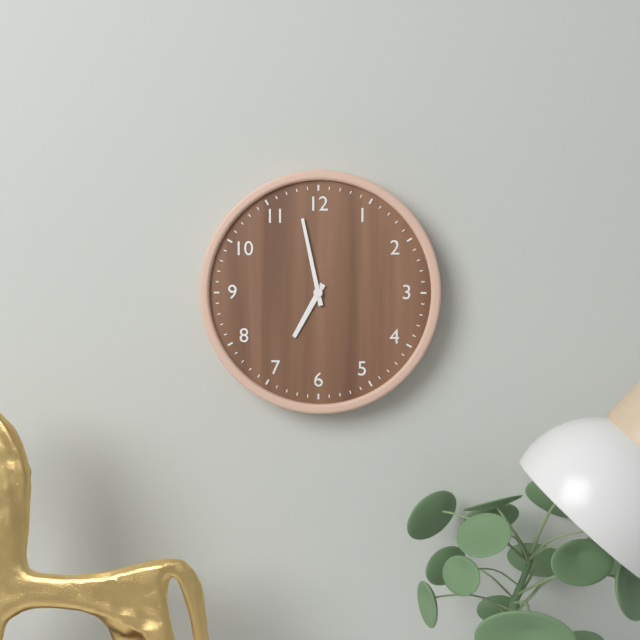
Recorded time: 6.58
